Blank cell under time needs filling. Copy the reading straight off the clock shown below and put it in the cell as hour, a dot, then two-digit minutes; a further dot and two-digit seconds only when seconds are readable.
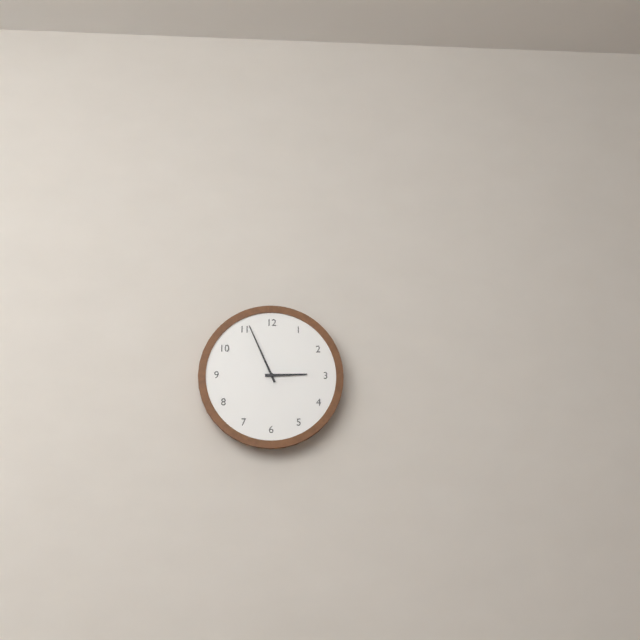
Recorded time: 2.56
